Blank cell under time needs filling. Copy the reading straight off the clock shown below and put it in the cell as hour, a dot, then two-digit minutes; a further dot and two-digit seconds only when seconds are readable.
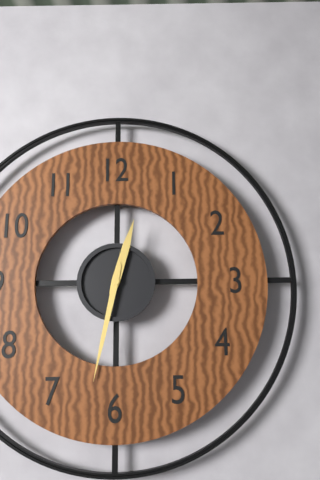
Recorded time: 12.32
